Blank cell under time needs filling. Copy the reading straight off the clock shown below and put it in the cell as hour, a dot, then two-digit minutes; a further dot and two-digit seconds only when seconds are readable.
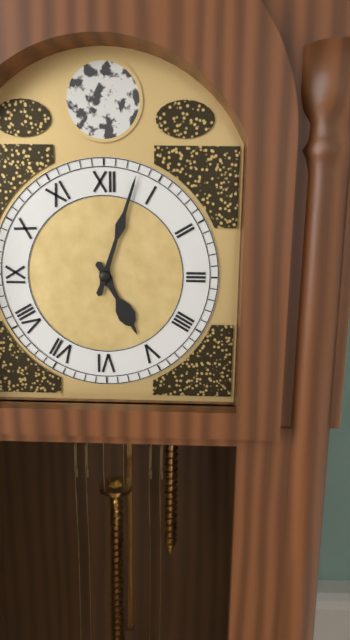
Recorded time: 5.03
